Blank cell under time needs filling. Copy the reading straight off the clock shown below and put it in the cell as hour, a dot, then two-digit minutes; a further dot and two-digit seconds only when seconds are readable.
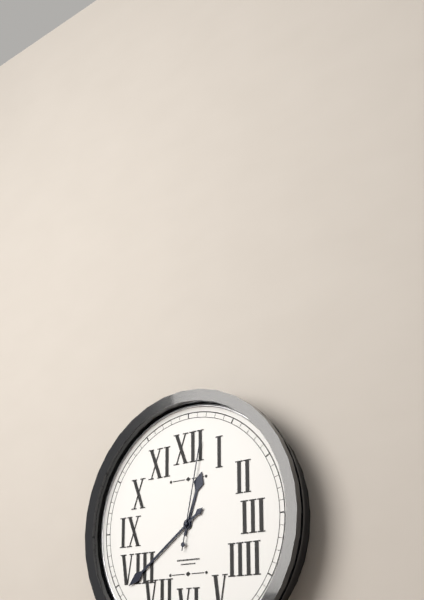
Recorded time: 12.39.02
